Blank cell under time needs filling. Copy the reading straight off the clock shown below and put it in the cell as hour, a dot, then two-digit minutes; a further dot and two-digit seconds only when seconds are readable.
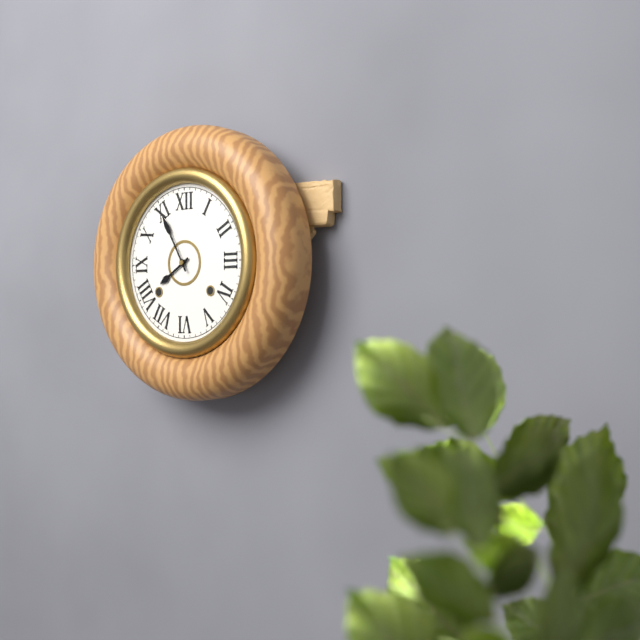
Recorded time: 7.55
